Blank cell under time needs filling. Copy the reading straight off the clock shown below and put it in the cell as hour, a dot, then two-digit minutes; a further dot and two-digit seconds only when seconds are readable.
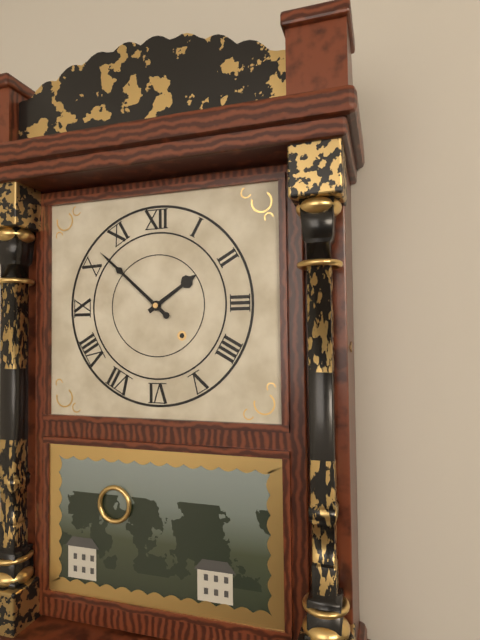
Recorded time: 1.52
